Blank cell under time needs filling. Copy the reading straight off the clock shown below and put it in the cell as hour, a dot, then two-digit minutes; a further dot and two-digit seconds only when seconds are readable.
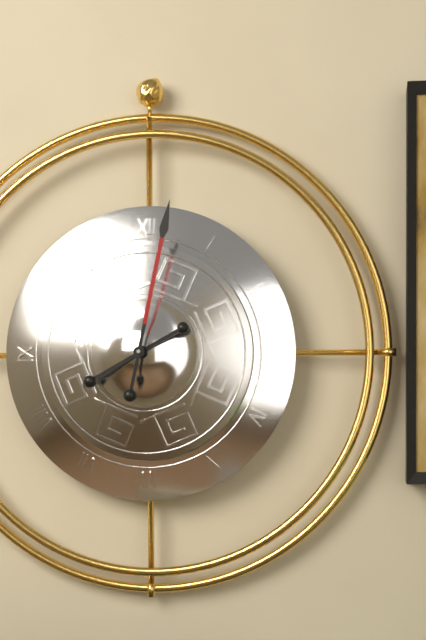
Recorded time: 8.02
